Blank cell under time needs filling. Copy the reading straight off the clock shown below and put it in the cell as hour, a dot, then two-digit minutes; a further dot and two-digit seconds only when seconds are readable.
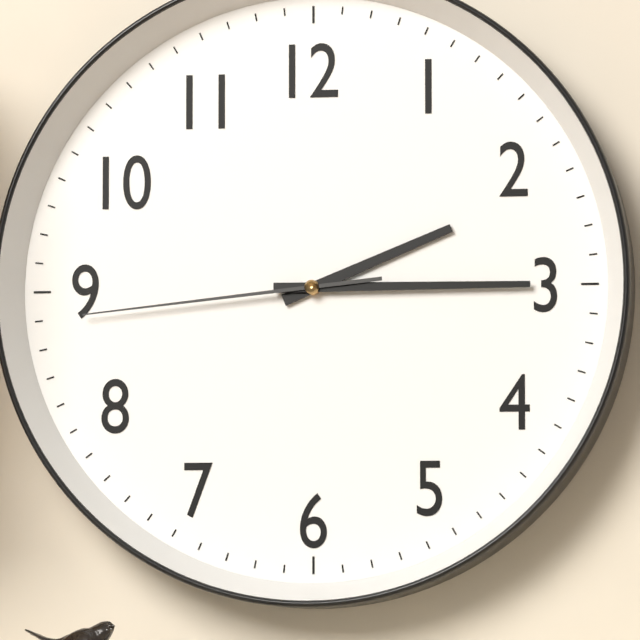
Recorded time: 2.15.44
